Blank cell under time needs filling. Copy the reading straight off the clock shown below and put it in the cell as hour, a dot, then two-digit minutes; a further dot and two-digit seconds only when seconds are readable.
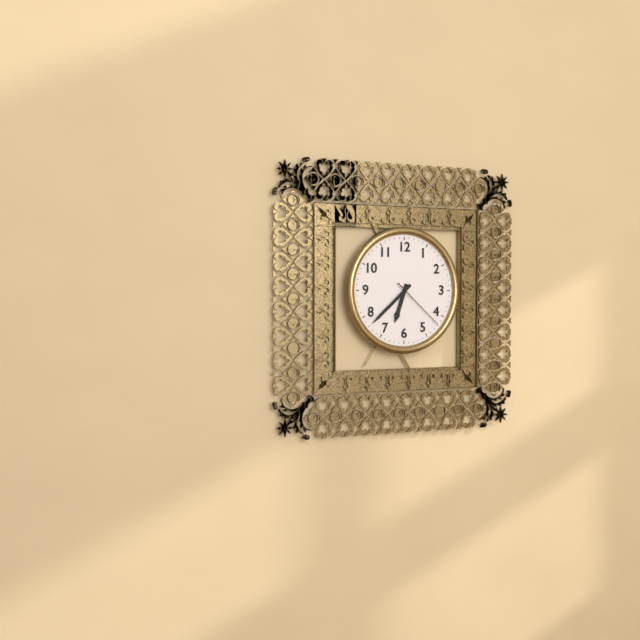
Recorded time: 6.38.22
